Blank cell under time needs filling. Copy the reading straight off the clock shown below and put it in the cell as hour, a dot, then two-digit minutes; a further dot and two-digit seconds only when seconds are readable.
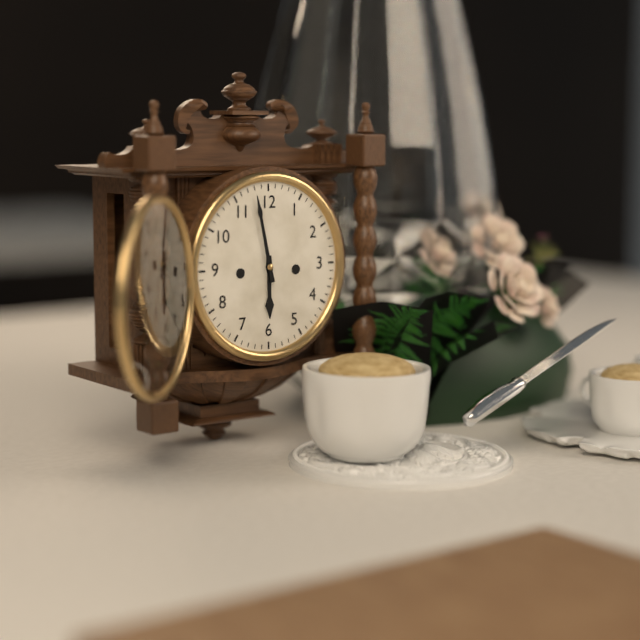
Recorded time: 5.58
